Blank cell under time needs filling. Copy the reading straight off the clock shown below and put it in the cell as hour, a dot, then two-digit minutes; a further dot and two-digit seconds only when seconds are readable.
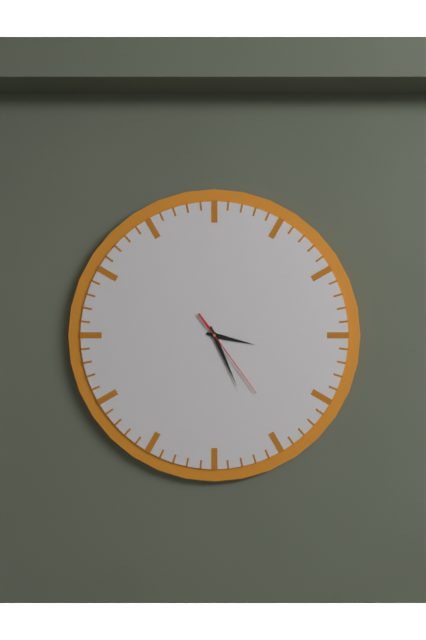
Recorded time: 3.26.24
